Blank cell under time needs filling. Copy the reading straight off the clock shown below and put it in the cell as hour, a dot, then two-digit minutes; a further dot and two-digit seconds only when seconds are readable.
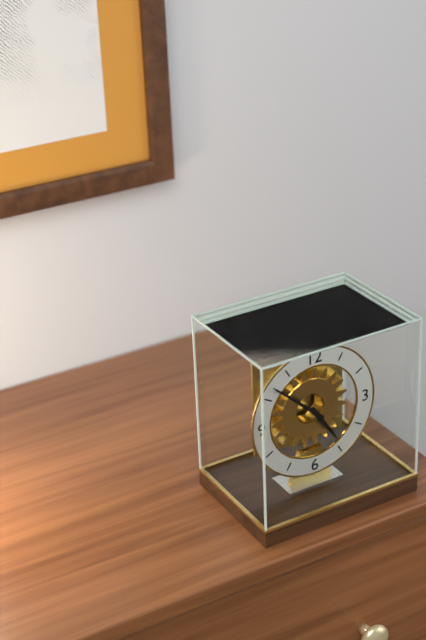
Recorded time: 4.52
